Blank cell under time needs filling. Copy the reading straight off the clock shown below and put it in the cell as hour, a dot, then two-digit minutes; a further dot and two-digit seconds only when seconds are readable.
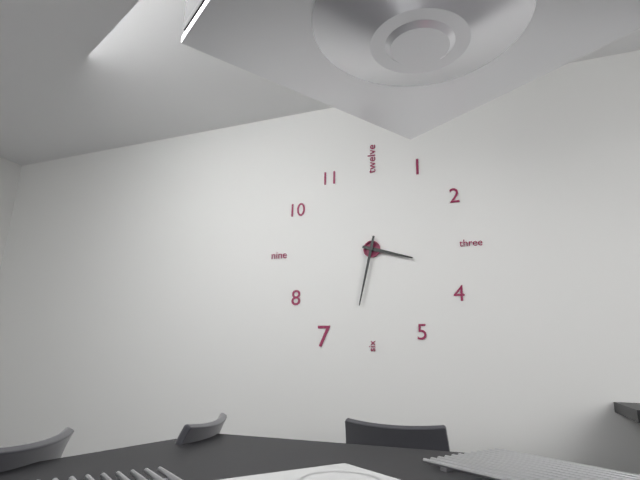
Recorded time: 3.32
